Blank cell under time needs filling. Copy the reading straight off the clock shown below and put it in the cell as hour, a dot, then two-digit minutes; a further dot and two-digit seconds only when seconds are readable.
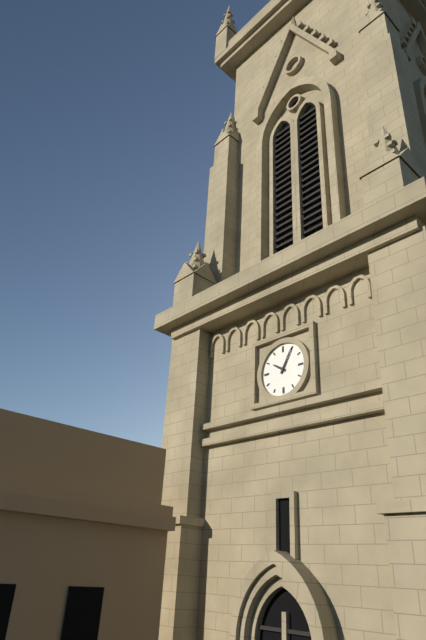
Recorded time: 10.05
